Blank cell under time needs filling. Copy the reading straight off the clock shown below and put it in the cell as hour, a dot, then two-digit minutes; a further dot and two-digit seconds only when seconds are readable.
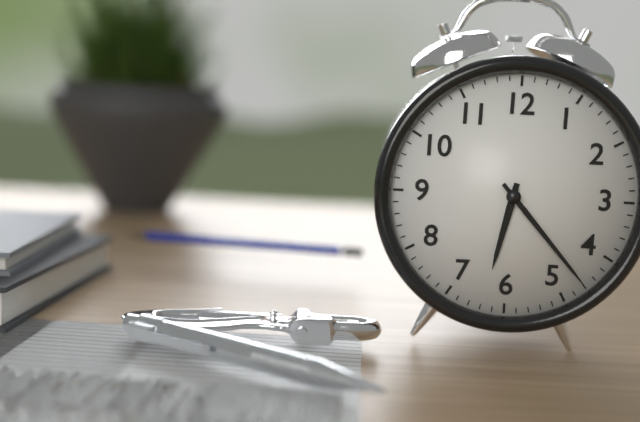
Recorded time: 6.23
